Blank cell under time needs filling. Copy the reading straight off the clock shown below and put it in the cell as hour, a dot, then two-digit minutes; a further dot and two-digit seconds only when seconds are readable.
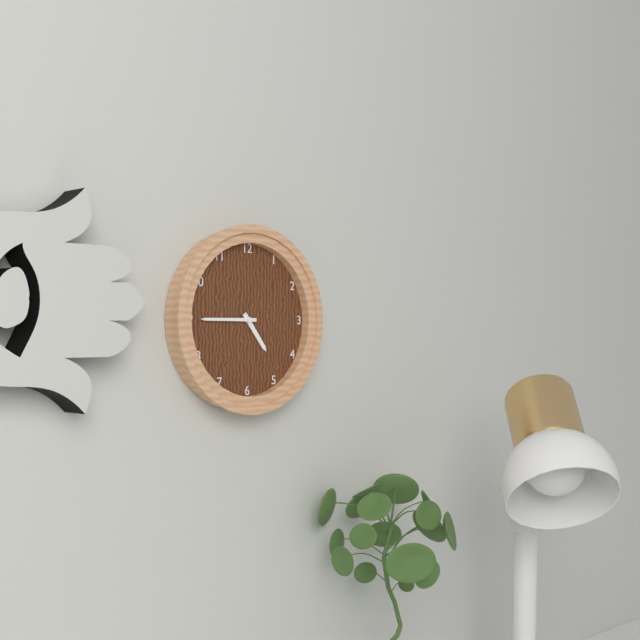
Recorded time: 4.45
